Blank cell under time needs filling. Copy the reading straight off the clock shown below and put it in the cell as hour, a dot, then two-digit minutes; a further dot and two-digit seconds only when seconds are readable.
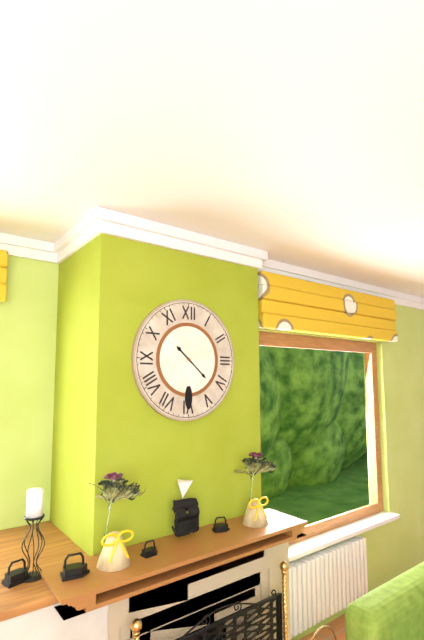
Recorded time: 10.22
